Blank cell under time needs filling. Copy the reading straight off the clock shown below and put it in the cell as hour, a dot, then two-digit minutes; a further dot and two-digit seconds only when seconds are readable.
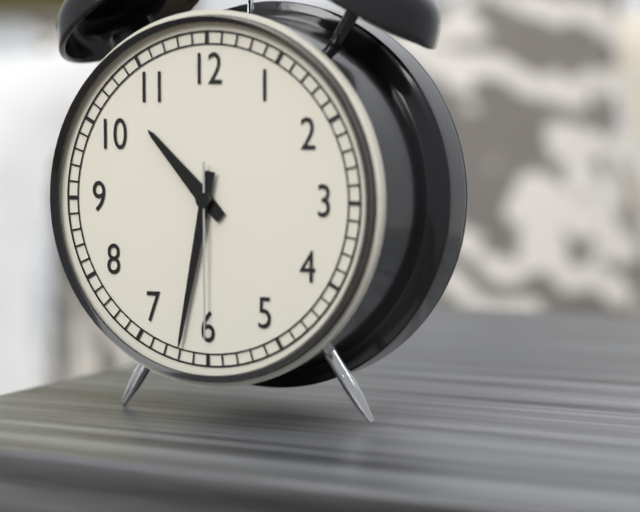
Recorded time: 10.32.30
